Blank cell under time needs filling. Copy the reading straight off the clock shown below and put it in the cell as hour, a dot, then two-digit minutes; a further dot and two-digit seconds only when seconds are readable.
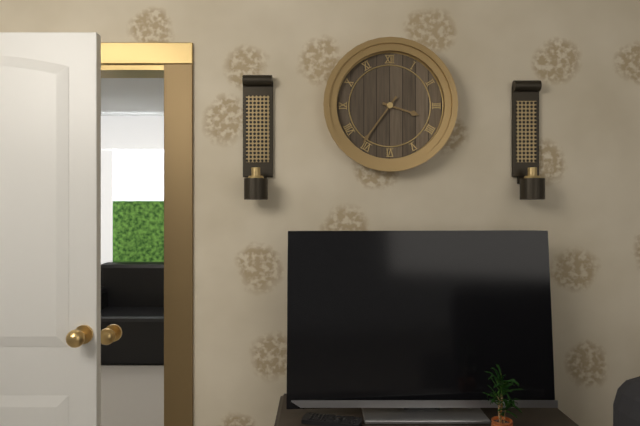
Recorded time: 3.36
